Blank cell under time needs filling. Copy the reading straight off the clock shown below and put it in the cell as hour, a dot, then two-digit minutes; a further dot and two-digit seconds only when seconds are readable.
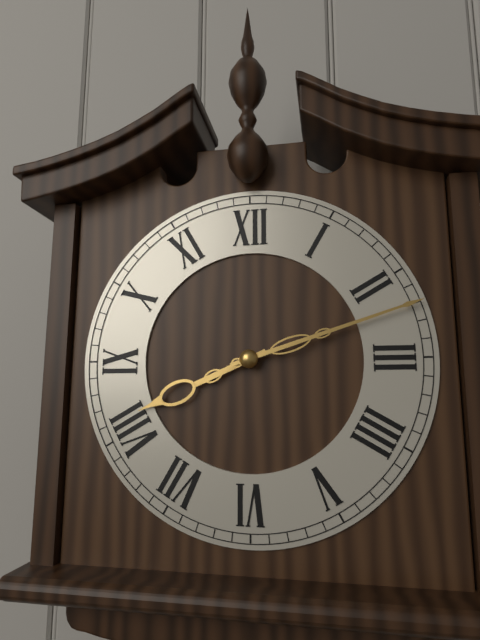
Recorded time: 8.12
